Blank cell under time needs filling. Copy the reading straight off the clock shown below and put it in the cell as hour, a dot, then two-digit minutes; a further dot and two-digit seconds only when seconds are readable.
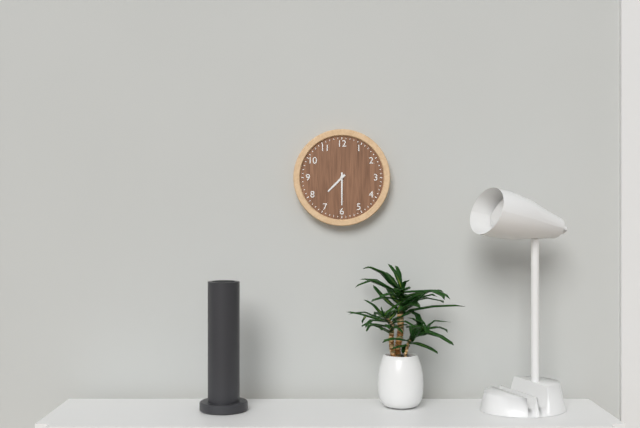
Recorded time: 7.30
